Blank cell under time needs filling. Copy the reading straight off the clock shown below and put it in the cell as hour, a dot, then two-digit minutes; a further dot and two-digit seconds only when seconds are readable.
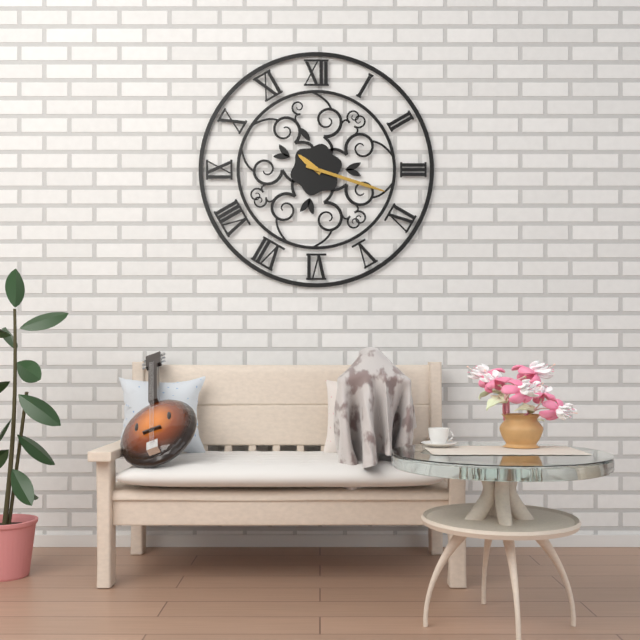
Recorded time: 10.18
